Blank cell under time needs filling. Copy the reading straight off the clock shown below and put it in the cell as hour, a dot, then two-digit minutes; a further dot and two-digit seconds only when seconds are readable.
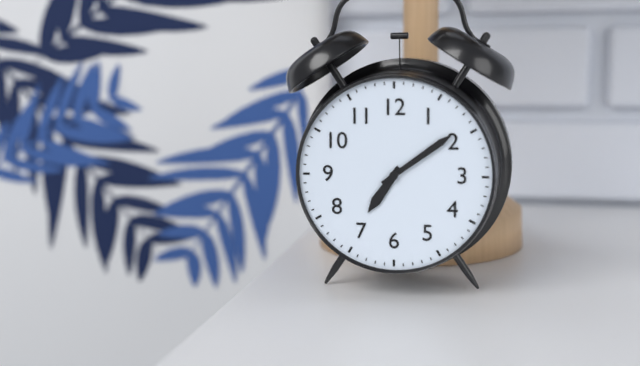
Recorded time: 7.09
